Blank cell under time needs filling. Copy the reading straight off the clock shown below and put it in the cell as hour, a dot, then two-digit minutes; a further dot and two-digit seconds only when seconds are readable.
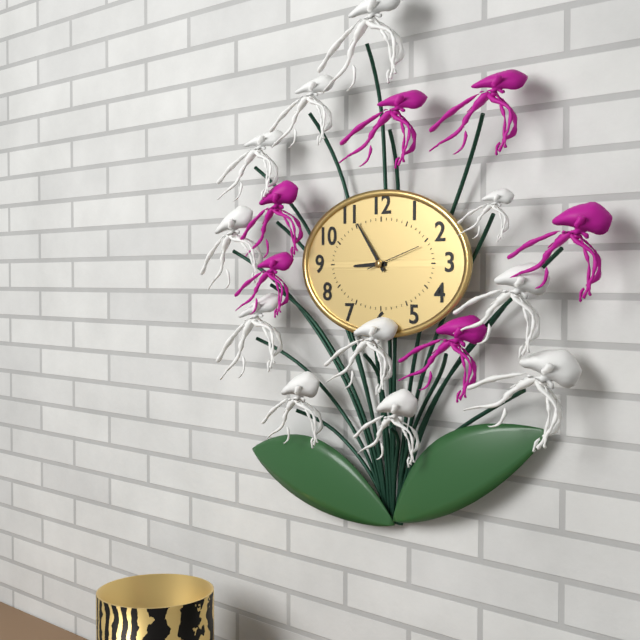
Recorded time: 8.54.12
